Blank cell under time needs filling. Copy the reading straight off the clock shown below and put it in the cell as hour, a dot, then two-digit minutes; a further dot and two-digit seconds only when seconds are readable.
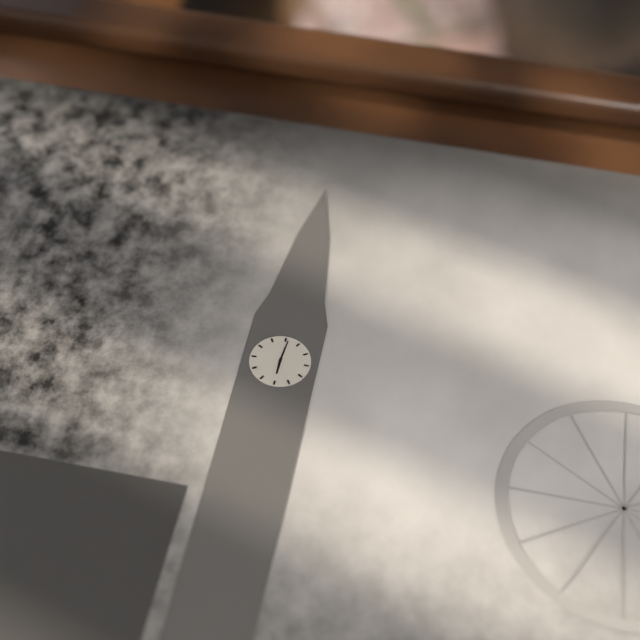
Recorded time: 6.01
